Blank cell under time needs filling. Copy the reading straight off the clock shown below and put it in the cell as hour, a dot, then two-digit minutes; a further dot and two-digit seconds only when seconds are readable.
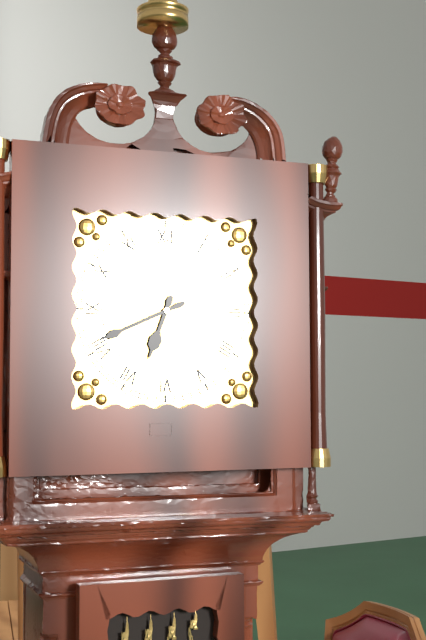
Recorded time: 6.41
